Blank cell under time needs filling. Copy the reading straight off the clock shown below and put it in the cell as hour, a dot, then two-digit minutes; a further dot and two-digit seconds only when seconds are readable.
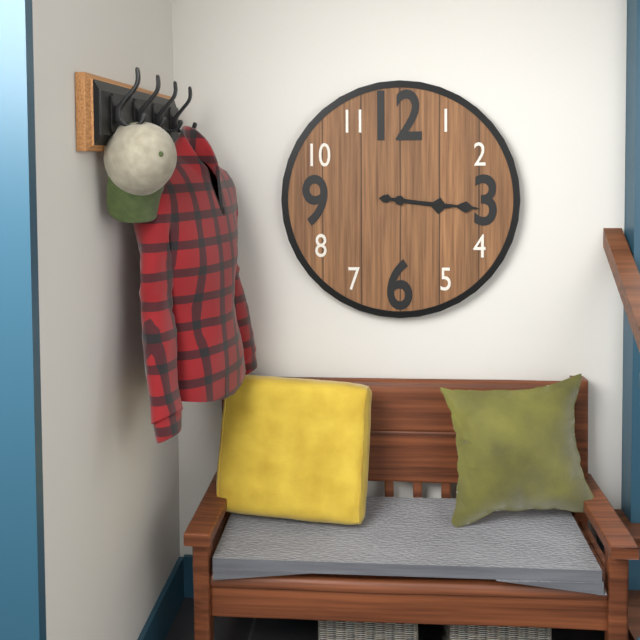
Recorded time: 3.16
